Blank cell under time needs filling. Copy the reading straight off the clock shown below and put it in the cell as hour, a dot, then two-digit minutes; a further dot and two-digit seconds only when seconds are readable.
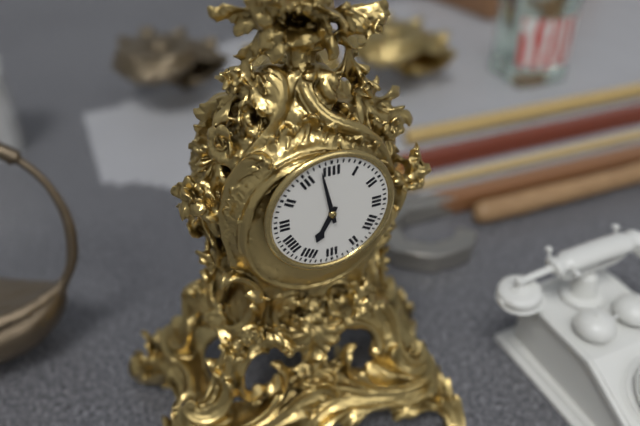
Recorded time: 6.58
